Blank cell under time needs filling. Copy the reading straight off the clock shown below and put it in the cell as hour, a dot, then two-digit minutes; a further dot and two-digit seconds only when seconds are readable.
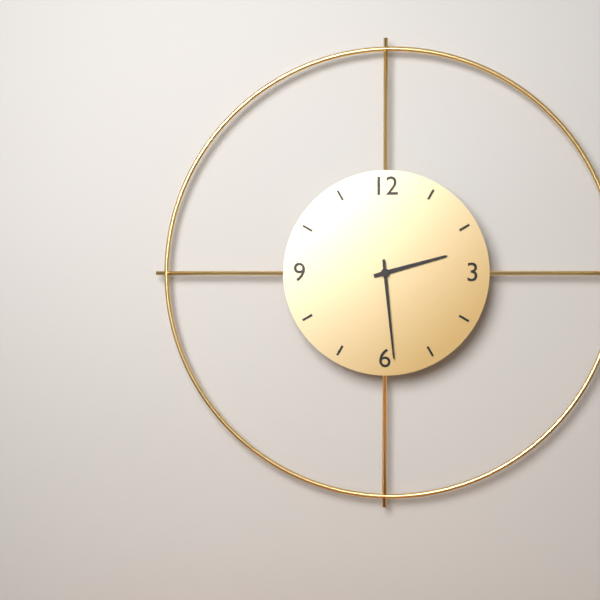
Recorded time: 2.29
